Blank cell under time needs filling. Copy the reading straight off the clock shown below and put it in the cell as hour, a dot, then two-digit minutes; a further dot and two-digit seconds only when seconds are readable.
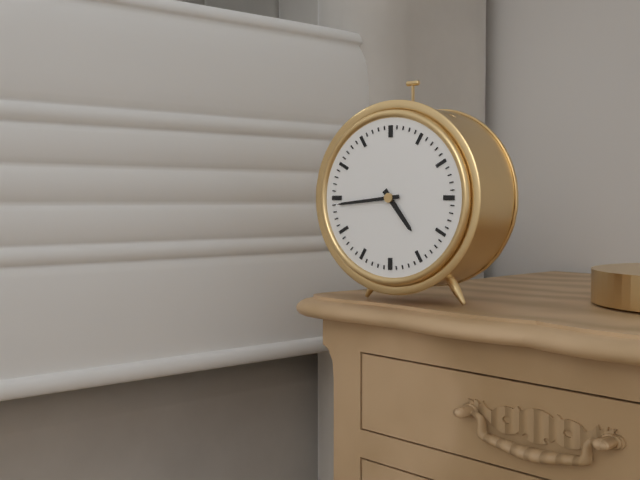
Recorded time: 4.44
